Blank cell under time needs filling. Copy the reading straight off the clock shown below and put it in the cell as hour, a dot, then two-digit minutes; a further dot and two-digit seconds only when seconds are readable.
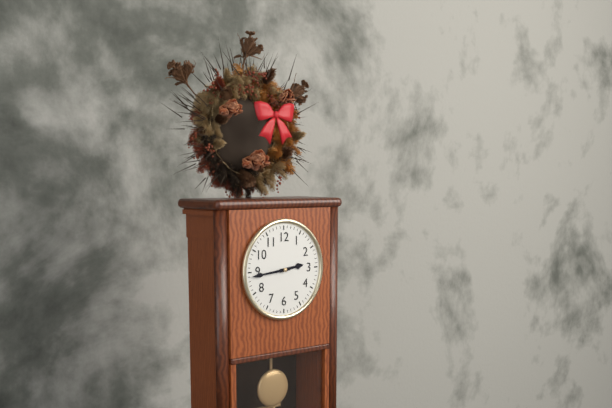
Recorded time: 2.44
